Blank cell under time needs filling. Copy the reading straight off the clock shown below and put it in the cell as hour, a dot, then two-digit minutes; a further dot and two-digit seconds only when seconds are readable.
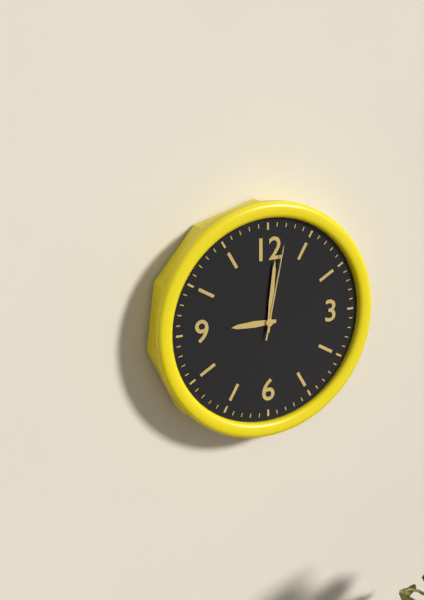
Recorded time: 9.01.02
